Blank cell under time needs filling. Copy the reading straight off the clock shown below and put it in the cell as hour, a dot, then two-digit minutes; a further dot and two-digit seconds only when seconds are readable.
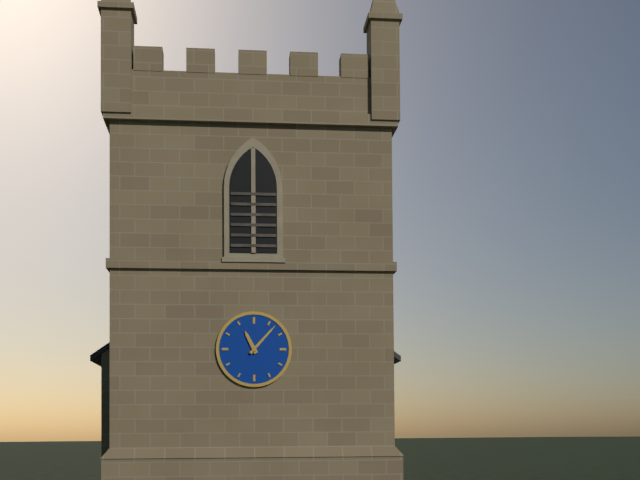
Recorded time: 11.07
